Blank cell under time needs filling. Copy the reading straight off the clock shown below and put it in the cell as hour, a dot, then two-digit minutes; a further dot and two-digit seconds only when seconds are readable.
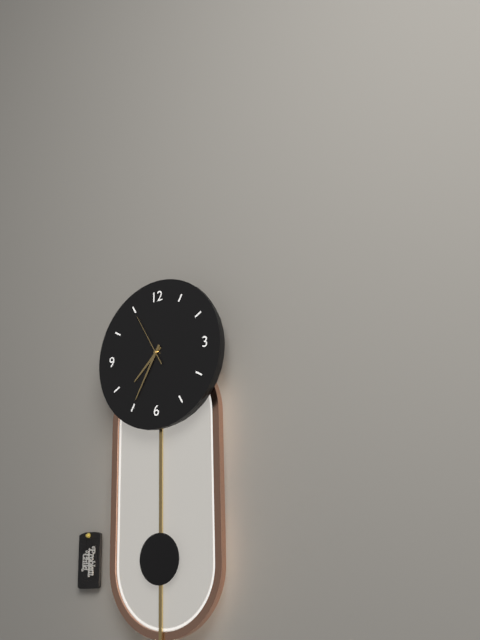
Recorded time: 7.35.55
